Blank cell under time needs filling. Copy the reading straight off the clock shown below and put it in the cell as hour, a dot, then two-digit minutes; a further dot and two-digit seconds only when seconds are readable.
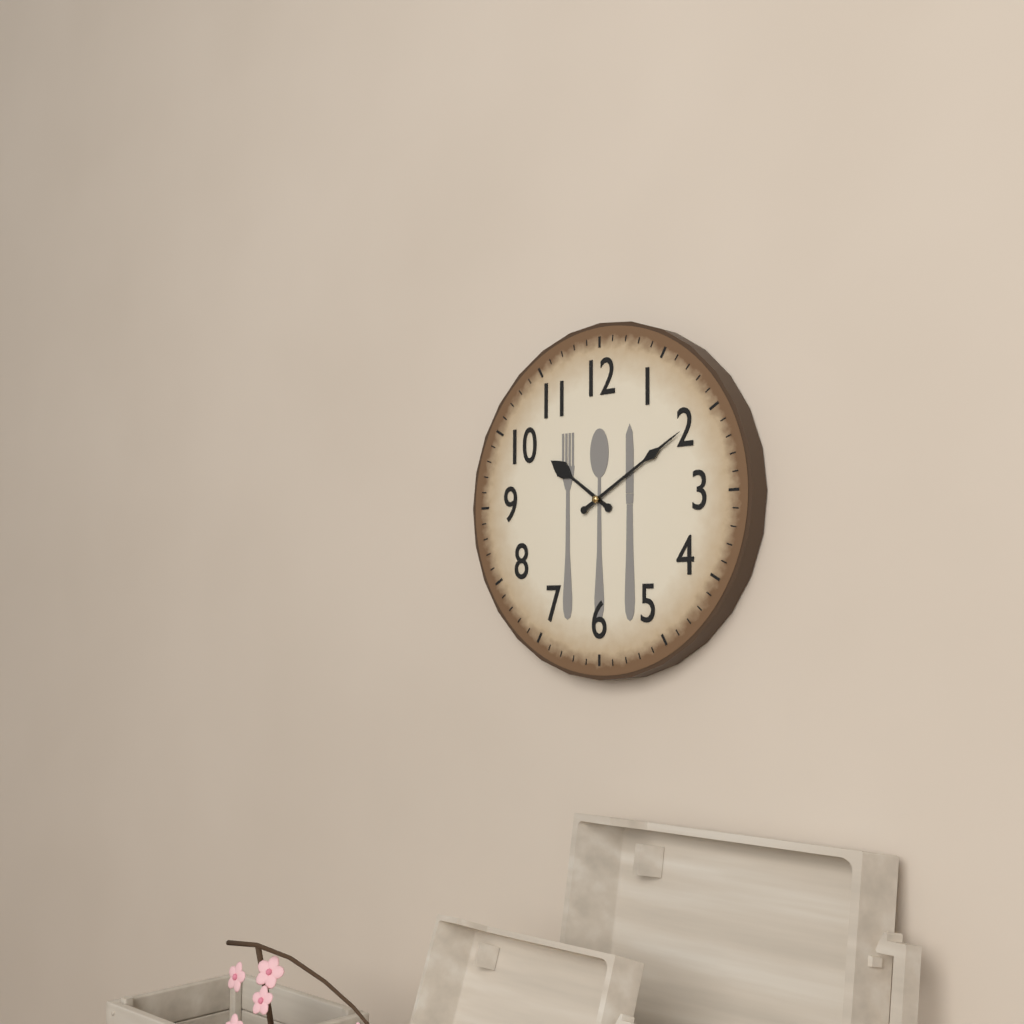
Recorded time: 10.10
